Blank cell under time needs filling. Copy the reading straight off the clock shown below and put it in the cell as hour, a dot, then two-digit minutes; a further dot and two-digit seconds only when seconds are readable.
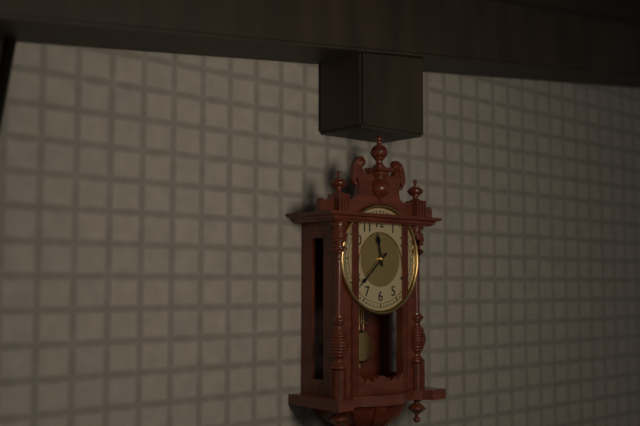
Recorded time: 11.38
